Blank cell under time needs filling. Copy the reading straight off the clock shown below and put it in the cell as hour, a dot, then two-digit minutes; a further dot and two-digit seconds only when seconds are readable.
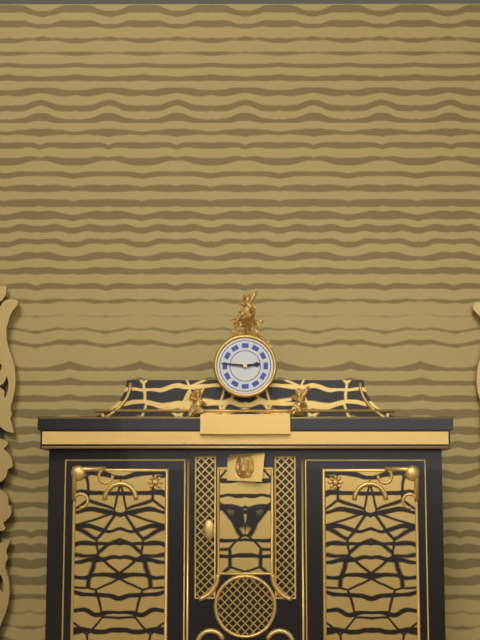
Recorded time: 2.46
